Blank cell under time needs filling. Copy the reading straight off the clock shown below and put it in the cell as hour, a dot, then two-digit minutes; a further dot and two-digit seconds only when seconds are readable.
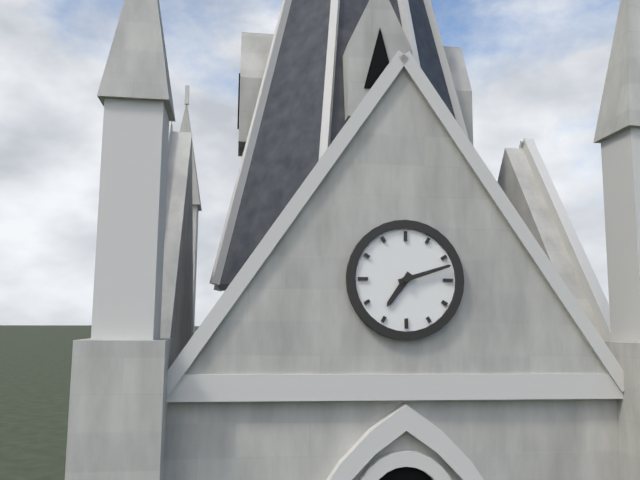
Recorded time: 7.12
